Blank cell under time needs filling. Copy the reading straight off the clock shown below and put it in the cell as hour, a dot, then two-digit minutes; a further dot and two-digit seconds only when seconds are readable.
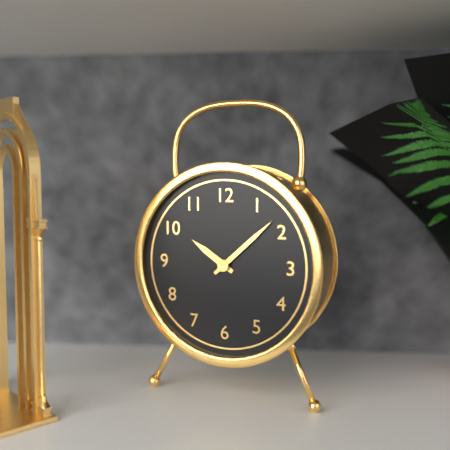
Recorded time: 10.08
